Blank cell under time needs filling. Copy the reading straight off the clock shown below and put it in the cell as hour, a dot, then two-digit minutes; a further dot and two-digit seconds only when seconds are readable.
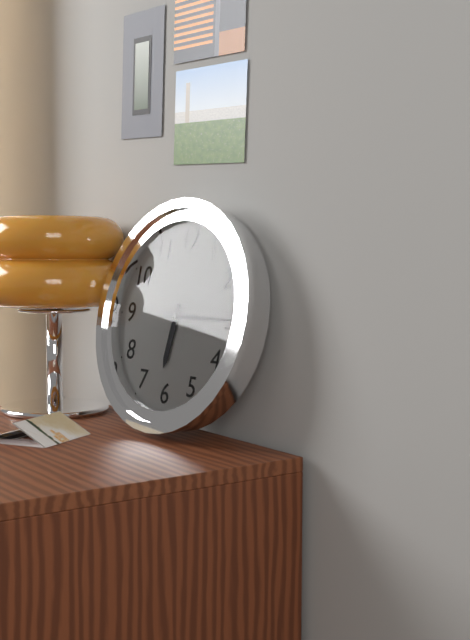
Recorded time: 6.15
